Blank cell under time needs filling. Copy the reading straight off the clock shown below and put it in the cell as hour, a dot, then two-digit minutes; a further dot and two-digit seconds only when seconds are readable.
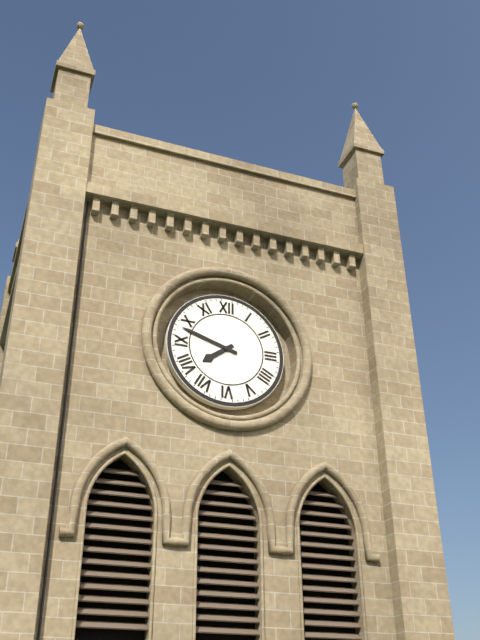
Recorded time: 7.48
